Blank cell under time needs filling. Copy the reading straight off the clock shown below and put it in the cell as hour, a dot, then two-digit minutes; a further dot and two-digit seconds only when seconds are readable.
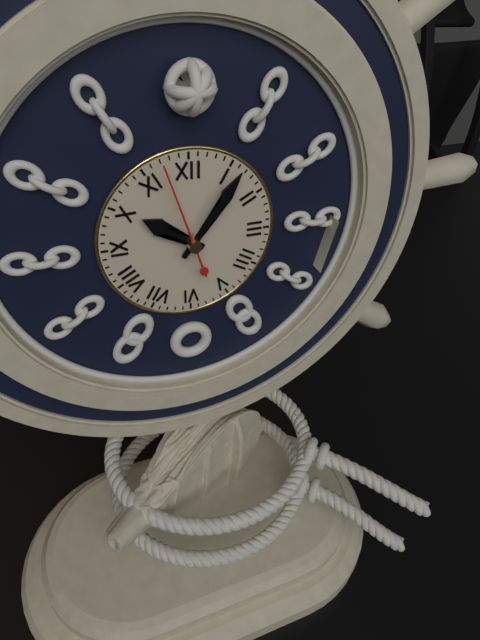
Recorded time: 10.06.57
